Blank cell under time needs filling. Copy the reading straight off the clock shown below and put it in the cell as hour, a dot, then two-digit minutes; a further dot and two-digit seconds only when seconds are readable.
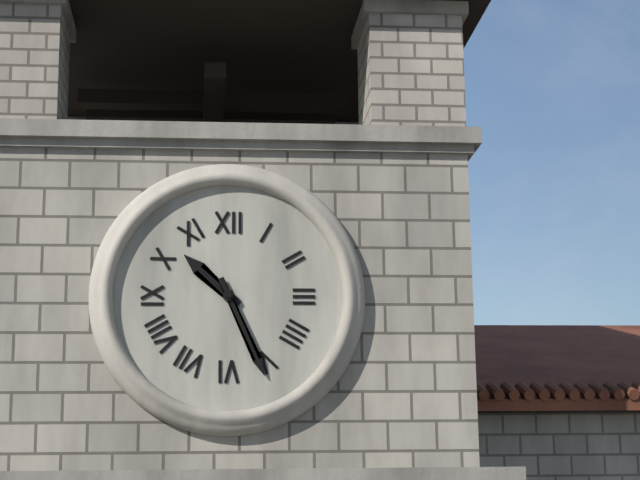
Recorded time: 10.26
